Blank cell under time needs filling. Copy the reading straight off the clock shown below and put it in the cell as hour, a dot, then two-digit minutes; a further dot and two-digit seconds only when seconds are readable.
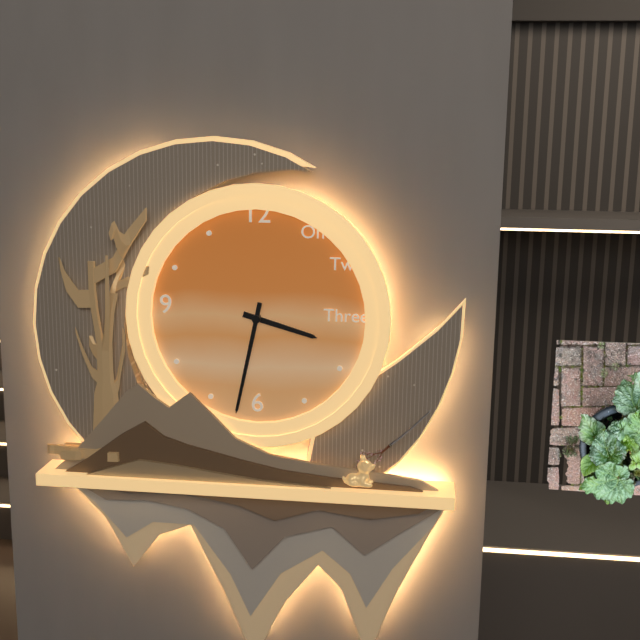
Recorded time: 3.32
